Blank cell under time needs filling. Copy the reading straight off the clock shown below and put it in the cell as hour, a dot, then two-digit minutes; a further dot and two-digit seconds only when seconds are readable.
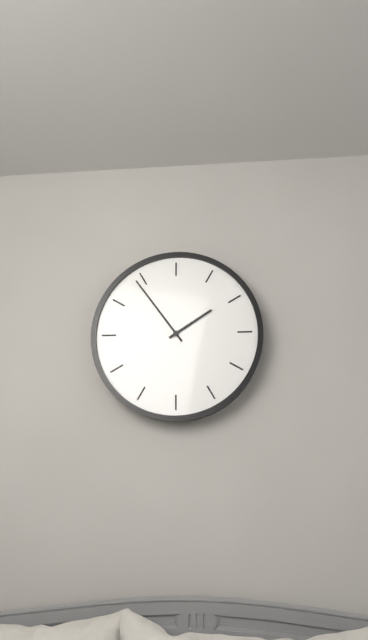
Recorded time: 1.54
